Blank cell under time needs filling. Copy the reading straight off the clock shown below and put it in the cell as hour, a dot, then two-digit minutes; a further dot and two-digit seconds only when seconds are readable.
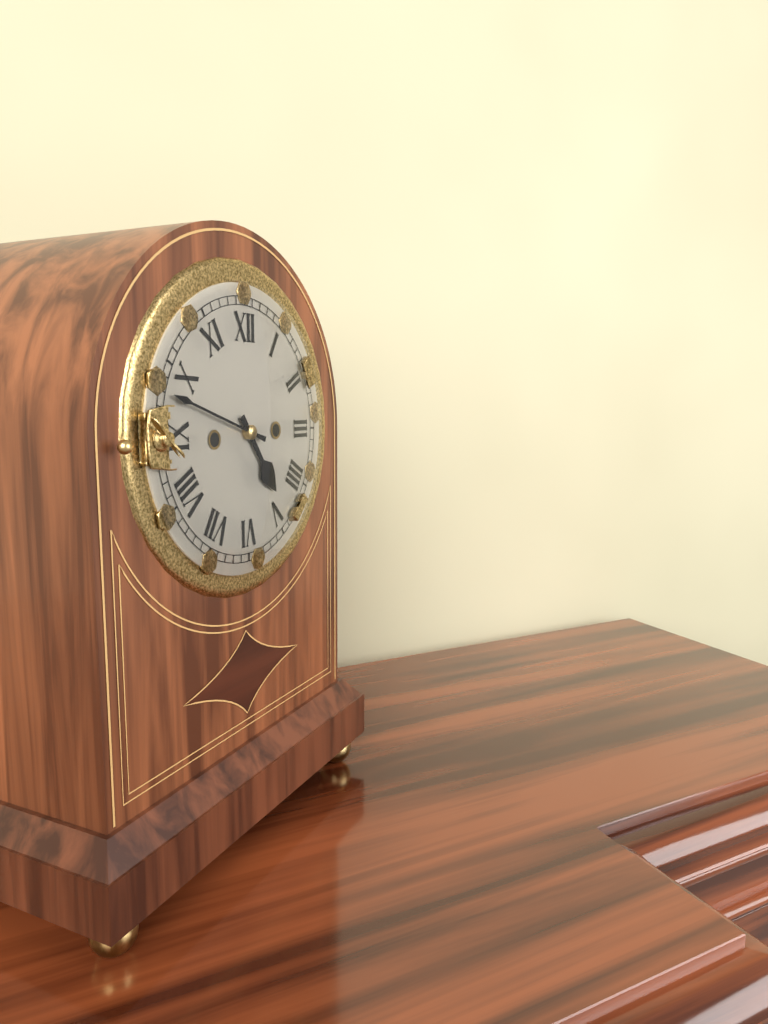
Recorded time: 4.48
